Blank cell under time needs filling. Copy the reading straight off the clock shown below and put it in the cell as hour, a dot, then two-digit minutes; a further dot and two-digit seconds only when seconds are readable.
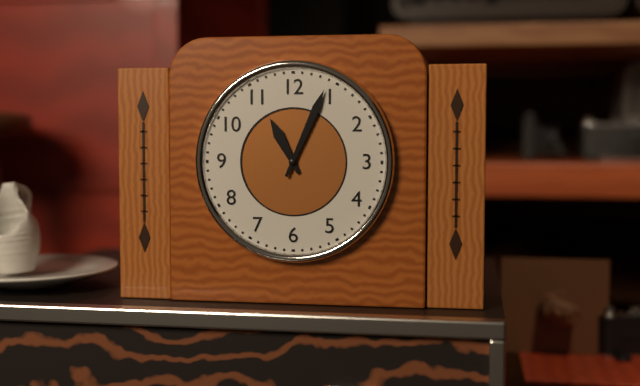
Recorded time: 11.04
